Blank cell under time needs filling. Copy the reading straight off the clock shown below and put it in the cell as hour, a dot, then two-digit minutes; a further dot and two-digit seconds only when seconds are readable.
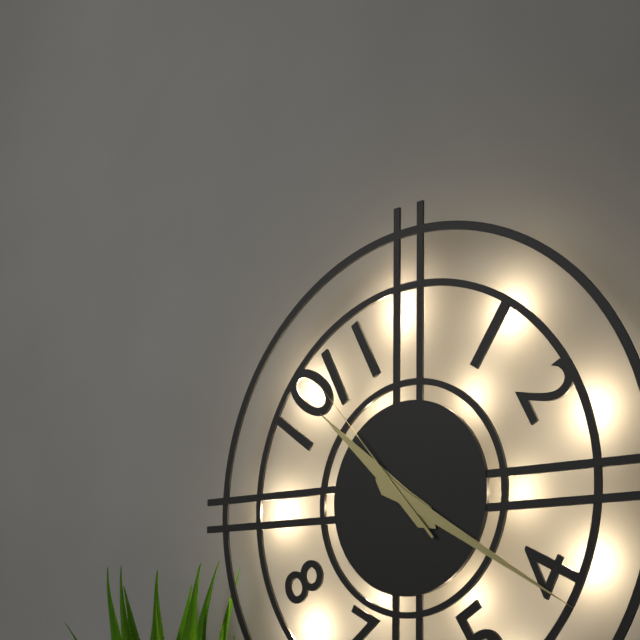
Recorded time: 10.20.53
